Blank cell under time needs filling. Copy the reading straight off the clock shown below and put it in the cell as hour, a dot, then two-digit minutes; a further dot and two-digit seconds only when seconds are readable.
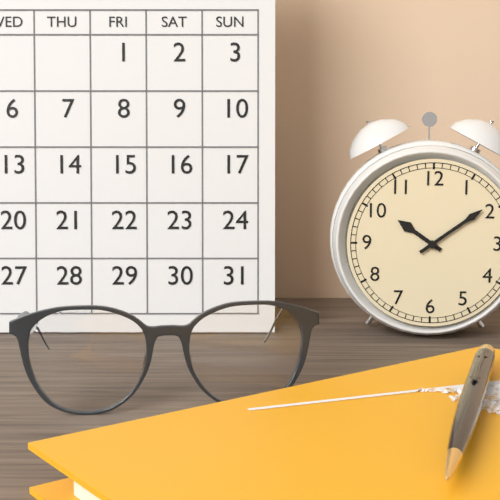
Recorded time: 10.09
